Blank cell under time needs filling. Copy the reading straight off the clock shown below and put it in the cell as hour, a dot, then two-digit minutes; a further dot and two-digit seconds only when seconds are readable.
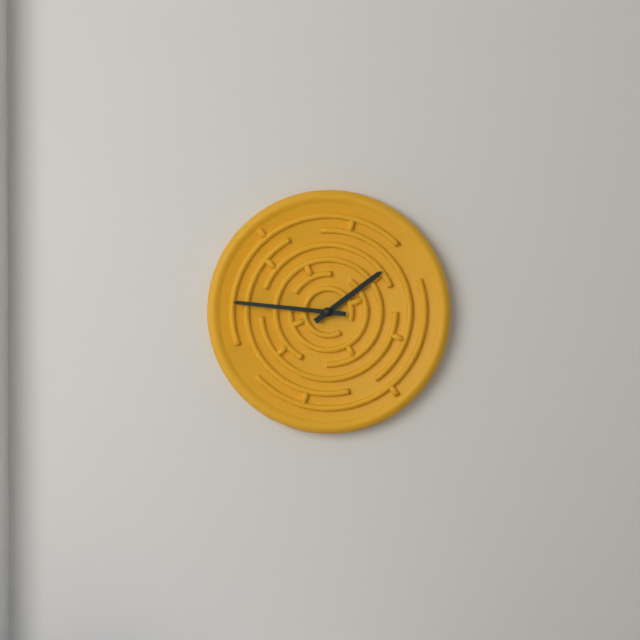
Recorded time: 1.46
